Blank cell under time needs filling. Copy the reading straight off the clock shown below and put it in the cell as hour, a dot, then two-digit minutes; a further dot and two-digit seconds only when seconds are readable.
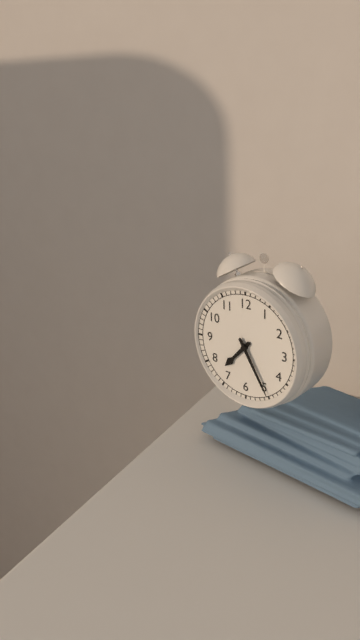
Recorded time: 7.25
